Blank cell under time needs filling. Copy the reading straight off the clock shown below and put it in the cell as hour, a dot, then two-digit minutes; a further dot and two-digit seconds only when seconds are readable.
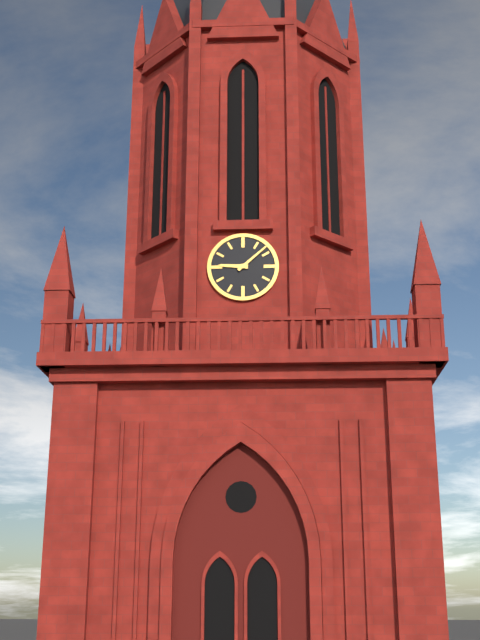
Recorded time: 9.08
